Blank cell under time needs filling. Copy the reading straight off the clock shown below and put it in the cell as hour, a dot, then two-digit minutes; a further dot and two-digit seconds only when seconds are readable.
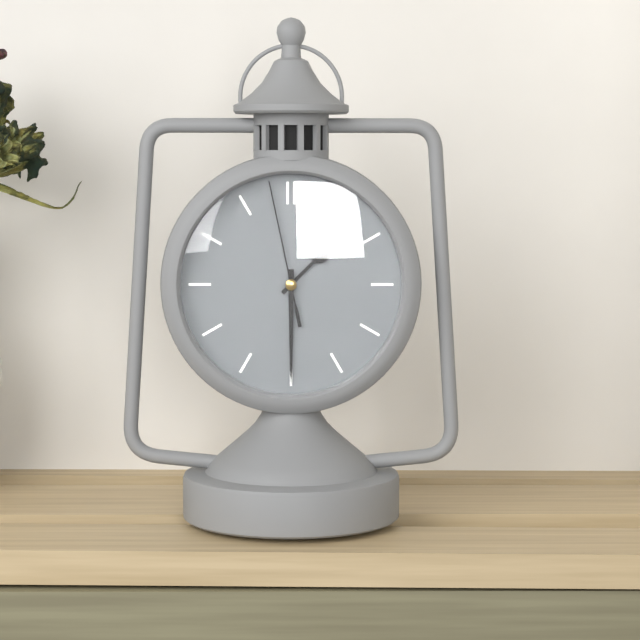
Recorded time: 1.30.58
